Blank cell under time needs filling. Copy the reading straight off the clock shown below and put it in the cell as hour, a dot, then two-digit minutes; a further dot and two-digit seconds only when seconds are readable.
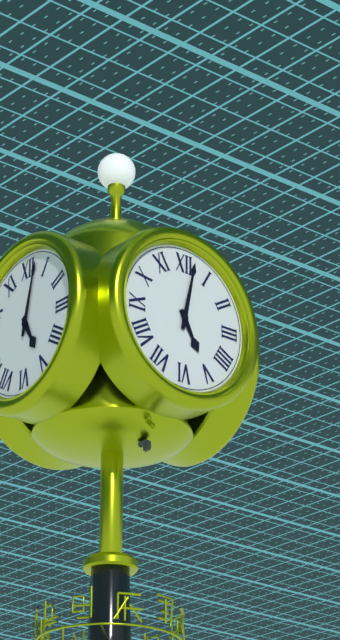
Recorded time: 5.02
